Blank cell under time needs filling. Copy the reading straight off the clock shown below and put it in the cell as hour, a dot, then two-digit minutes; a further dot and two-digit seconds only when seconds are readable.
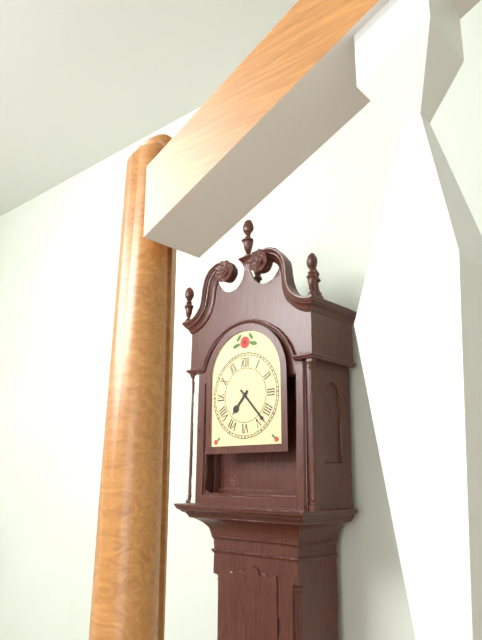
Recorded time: 7.23
